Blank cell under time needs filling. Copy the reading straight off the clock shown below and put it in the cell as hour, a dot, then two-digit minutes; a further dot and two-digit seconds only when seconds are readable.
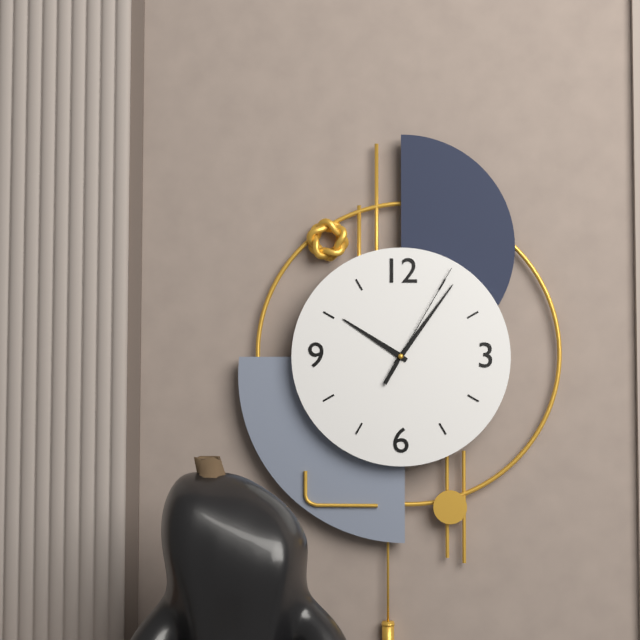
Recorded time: 10.06.05
